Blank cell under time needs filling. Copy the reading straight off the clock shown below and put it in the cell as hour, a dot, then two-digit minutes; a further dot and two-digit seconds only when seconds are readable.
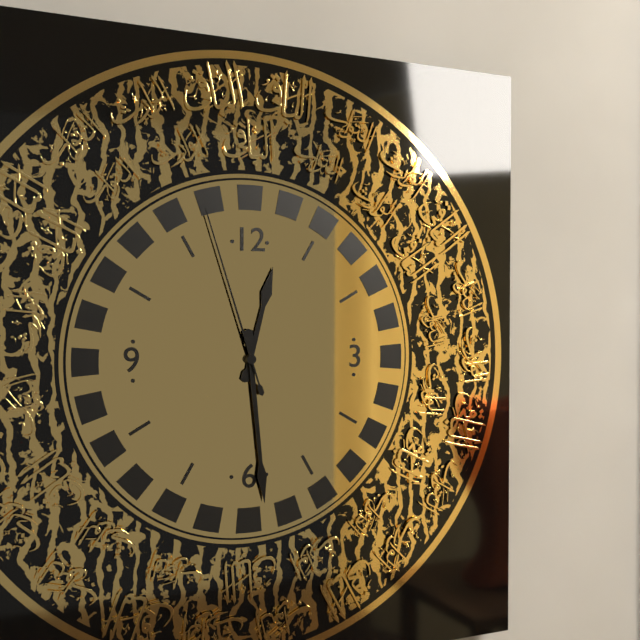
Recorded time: 12.29.57
